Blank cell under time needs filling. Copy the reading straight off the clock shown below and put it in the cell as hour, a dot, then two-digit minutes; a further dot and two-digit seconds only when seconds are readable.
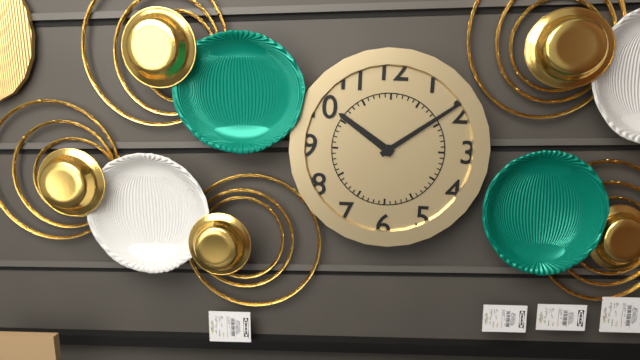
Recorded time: 10.09
